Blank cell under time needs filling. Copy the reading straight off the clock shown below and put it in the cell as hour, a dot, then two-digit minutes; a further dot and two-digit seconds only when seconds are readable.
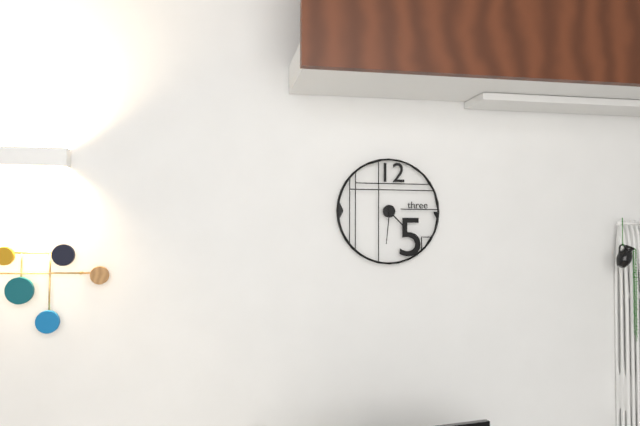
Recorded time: 4.31
